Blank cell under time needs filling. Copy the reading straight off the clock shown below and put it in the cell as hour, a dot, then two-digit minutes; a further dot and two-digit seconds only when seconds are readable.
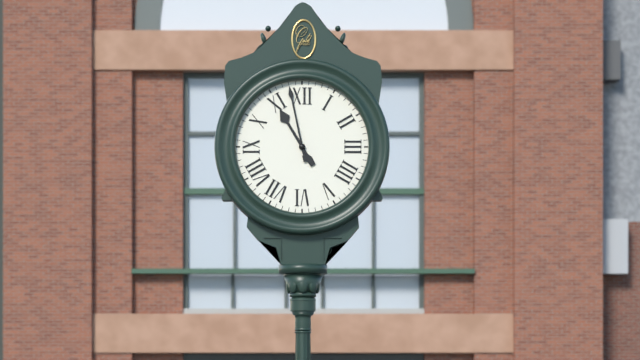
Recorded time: 10.58
